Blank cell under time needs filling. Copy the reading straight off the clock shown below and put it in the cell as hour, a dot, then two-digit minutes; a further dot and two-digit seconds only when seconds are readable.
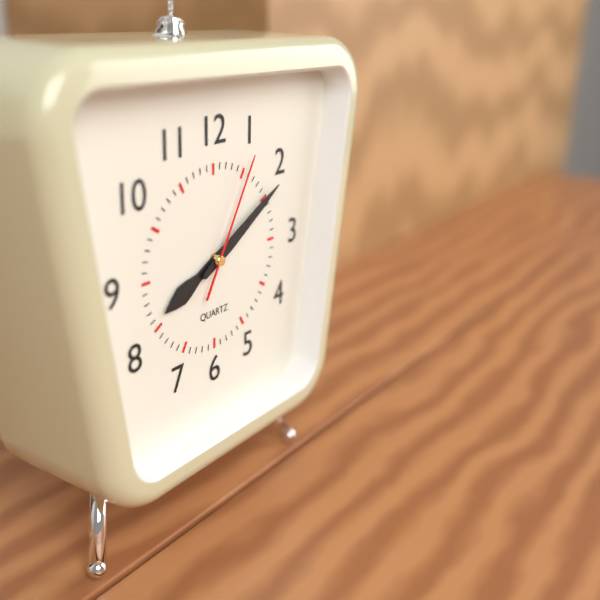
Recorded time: 8.10.05
